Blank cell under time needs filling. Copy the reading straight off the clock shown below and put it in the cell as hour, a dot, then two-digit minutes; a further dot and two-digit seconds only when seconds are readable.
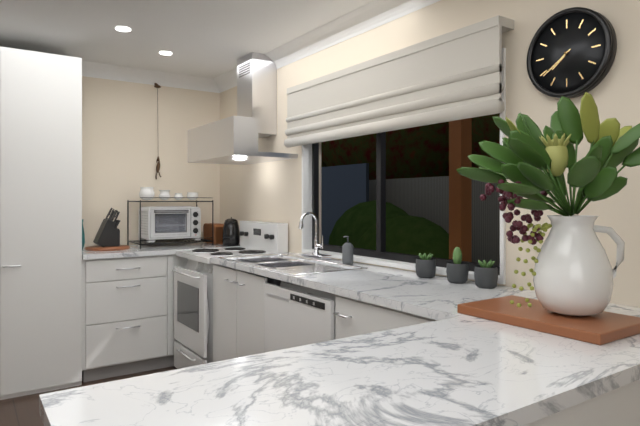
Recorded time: 7.39
